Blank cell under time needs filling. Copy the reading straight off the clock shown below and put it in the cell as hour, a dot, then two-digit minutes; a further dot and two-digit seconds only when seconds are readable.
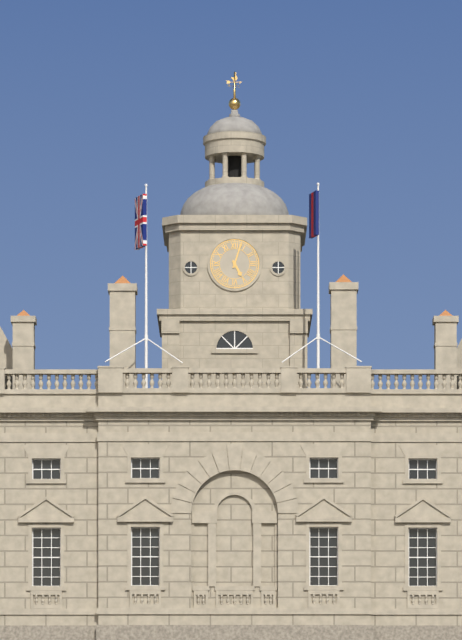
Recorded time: 5.03
